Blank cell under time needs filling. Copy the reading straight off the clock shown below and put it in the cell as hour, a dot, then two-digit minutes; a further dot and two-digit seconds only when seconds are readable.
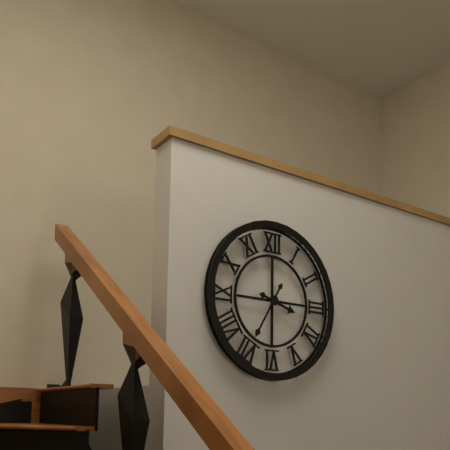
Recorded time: 3.35
